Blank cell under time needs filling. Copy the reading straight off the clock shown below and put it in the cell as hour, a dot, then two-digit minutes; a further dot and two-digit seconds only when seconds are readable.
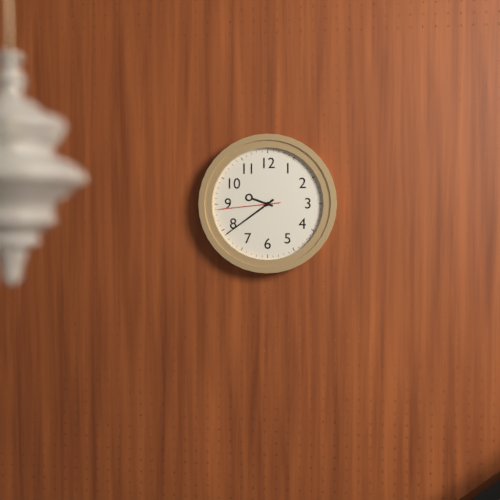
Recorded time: 9.39.44
